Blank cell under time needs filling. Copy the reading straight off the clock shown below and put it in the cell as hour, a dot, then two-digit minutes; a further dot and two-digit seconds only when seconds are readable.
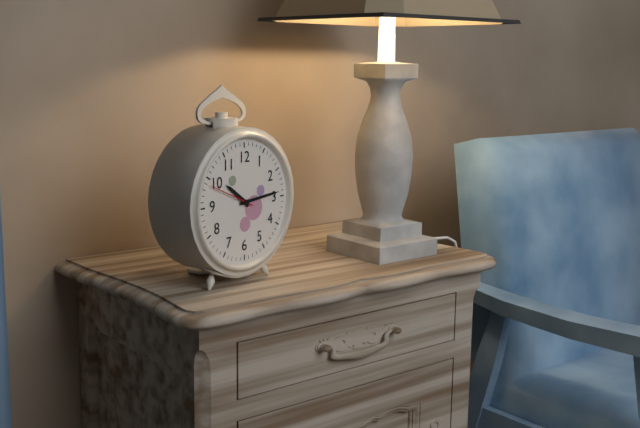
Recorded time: 10.14.49
